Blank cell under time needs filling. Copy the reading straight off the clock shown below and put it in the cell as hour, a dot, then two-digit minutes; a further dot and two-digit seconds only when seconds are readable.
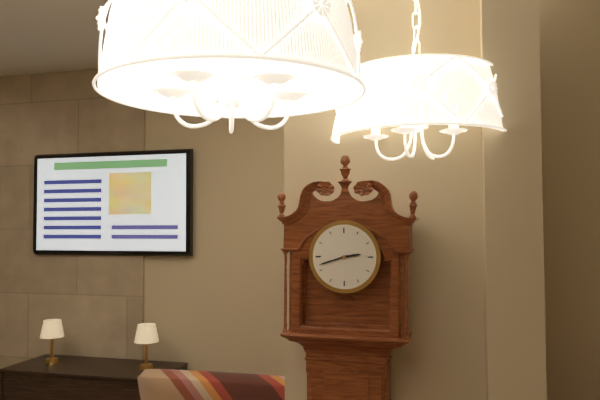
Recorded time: 2.42
